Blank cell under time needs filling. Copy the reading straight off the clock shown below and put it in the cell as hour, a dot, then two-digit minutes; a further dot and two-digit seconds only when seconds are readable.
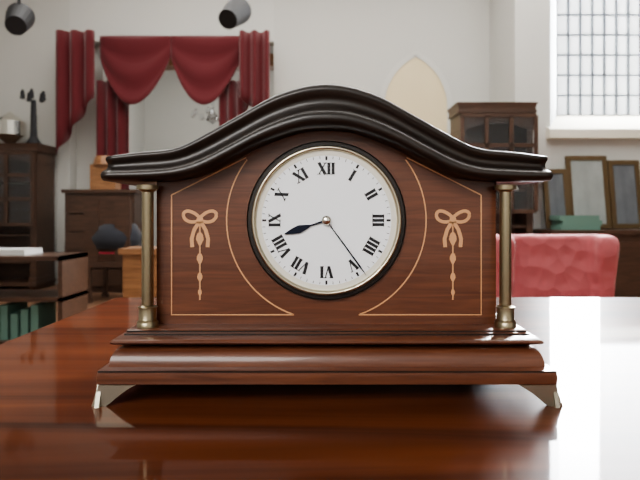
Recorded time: 8.24
